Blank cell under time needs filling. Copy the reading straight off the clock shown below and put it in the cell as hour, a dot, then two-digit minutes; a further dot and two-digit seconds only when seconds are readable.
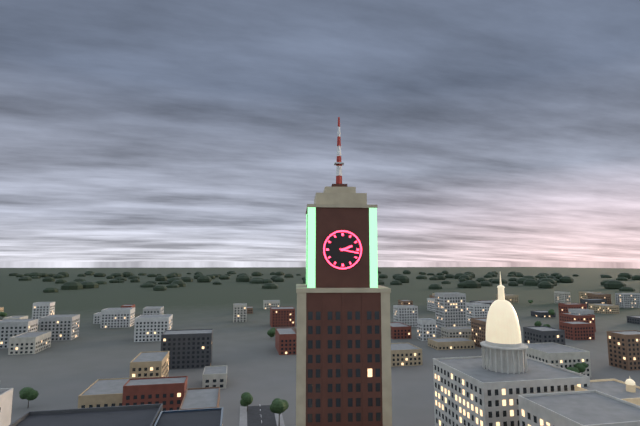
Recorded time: 2.17
